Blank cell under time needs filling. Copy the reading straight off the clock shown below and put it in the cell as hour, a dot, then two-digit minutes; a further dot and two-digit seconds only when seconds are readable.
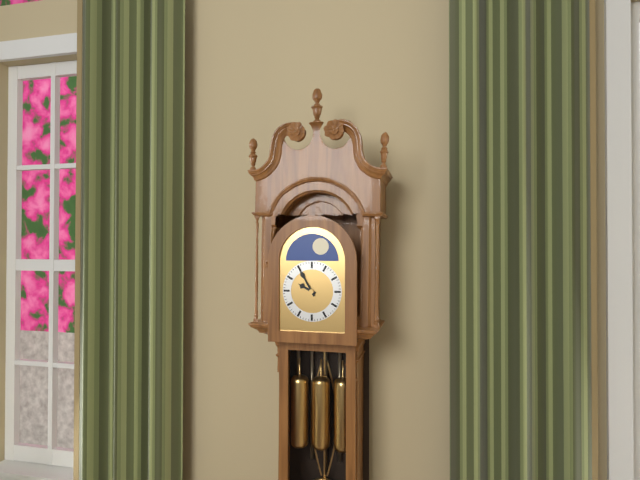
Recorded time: 9.55
